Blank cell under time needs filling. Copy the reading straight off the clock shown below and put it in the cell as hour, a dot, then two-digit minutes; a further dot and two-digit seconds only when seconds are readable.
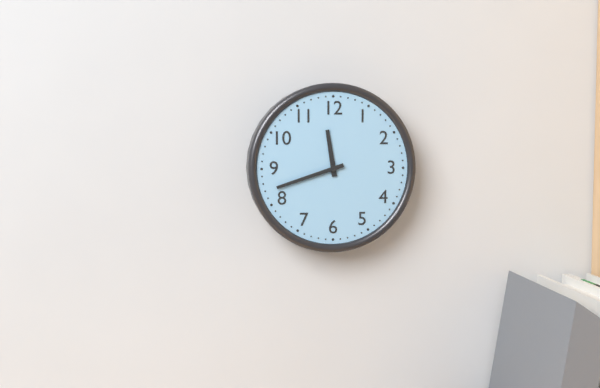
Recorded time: 11.42
